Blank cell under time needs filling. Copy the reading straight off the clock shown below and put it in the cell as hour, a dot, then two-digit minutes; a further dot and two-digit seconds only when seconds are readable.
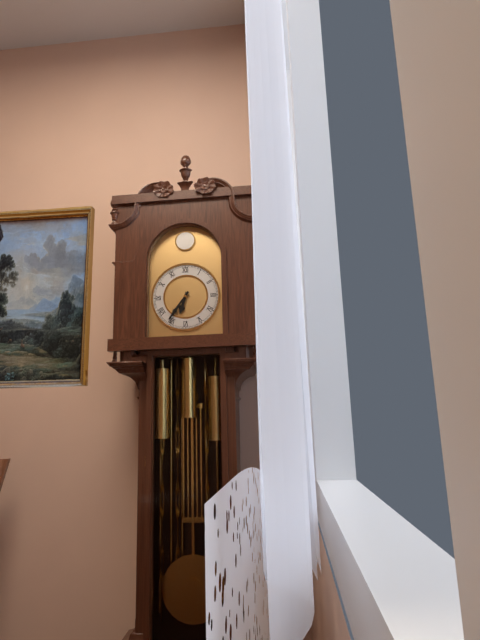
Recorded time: 6.36
